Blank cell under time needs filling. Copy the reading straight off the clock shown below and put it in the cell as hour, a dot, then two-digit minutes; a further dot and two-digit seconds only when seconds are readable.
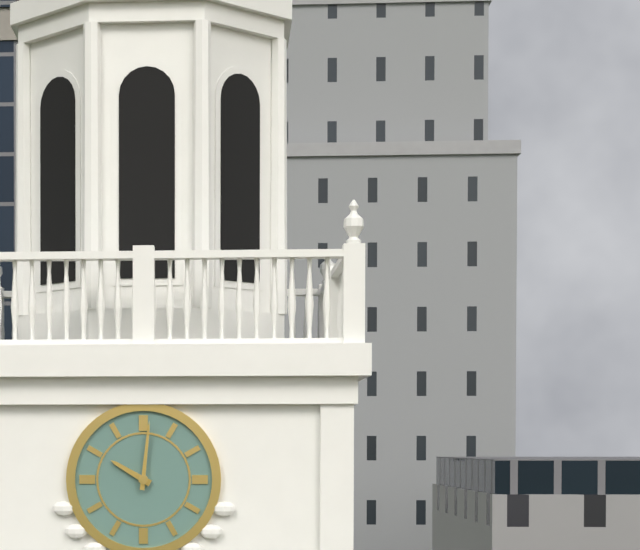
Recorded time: 10.01
